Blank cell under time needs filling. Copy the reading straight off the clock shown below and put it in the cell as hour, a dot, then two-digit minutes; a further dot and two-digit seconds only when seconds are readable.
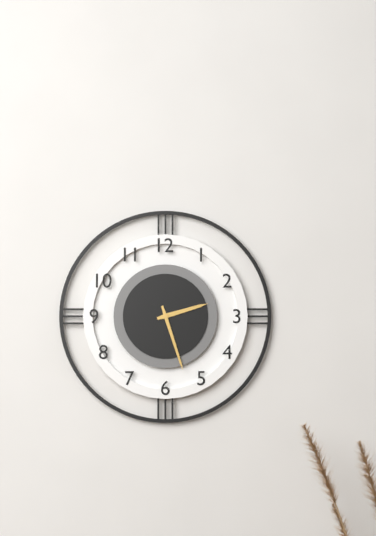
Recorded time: 2.27
